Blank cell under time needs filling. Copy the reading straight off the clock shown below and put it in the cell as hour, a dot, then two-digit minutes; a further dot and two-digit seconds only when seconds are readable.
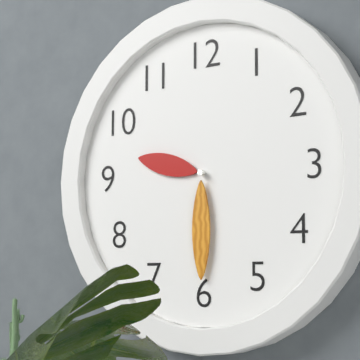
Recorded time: 9.30
